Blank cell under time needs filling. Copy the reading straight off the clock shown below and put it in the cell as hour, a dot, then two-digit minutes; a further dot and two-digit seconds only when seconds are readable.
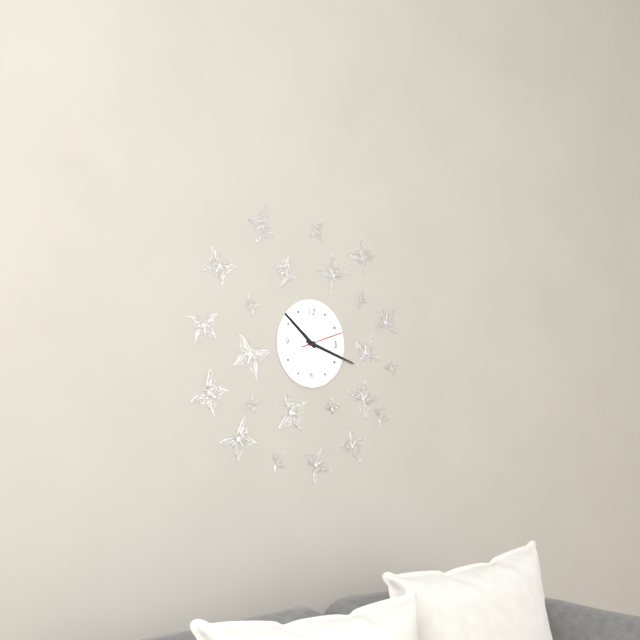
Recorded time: 10.18
